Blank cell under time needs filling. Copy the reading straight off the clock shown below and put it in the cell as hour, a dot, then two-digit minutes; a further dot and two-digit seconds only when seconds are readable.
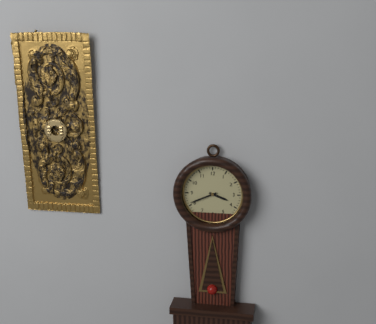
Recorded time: 3.41
